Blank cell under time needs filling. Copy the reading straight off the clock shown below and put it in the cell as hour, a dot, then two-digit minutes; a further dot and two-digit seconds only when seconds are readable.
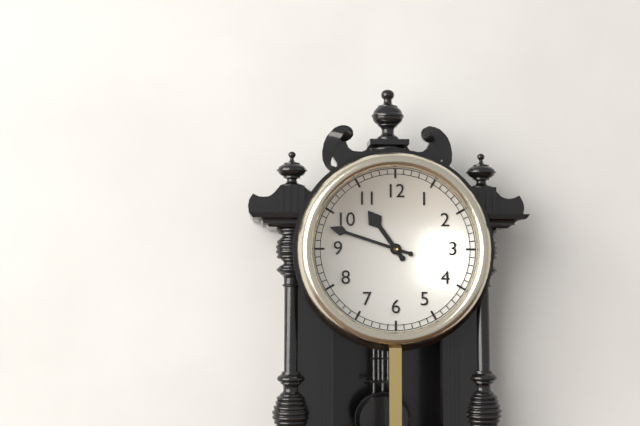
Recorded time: 10.48
